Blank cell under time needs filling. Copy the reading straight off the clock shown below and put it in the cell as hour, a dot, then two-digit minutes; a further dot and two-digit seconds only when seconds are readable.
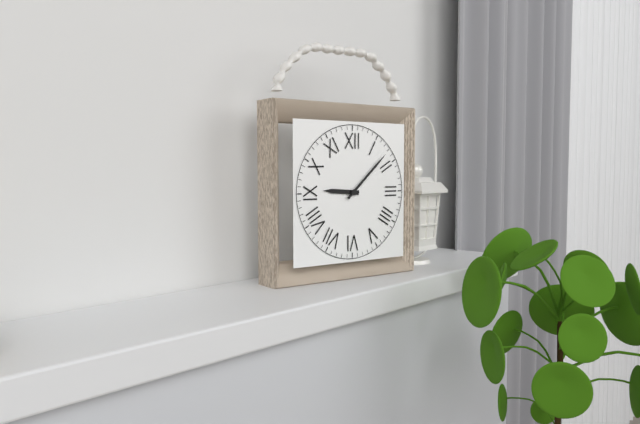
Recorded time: 9.08
